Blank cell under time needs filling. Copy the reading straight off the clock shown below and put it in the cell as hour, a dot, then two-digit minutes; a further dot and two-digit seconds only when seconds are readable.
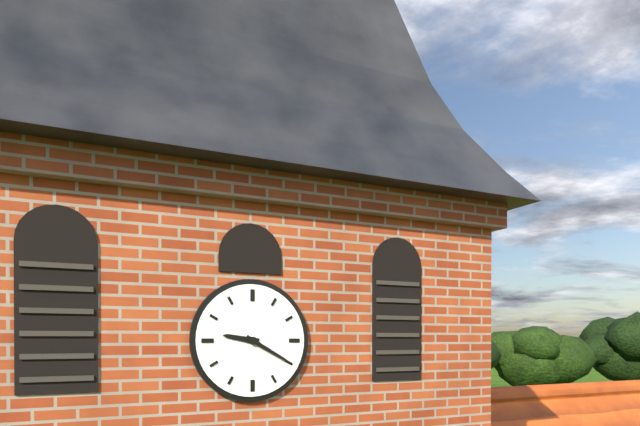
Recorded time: 9.20
